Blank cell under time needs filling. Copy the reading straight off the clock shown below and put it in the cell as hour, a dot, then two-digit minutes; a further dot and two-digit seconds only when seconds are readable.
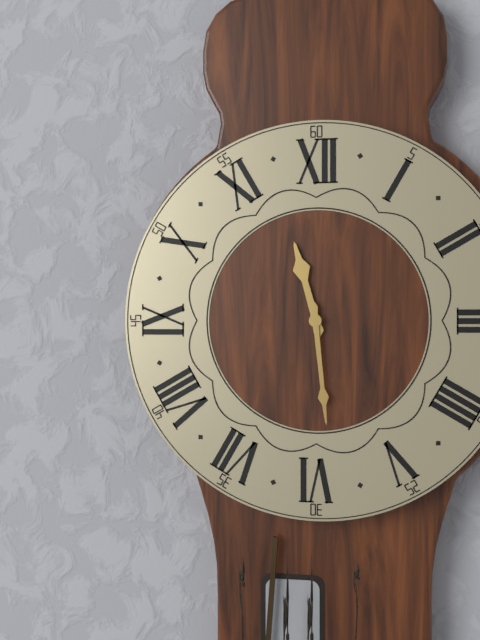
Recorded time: 11.29
